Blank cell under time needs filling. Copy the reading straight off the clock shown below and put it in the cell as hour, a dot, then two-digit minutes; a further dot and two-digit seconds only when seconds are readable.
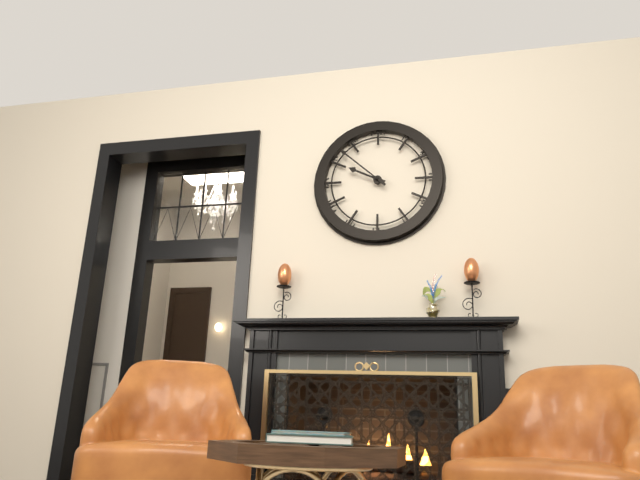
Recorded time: 9.52
